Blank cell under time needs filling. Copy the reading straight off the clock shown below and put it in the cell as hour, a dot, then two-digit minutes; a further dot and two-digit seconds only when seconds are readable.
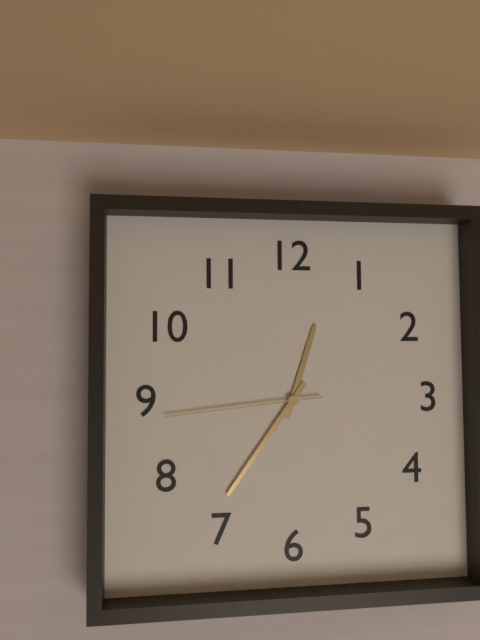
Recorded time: 12.36.44
